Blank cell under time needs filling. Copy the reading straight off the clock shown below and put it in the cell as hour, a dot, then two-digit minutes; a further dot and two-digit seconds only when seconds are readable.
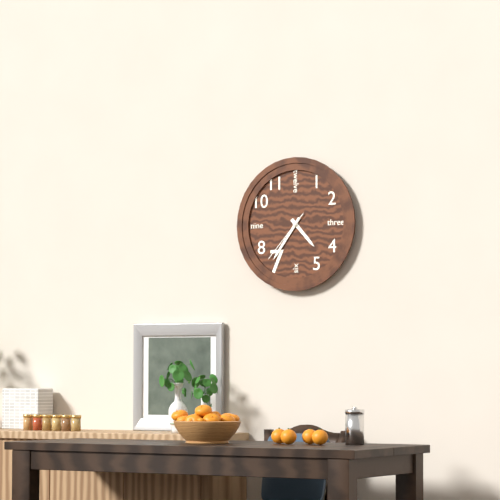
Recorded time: 4.36.37
